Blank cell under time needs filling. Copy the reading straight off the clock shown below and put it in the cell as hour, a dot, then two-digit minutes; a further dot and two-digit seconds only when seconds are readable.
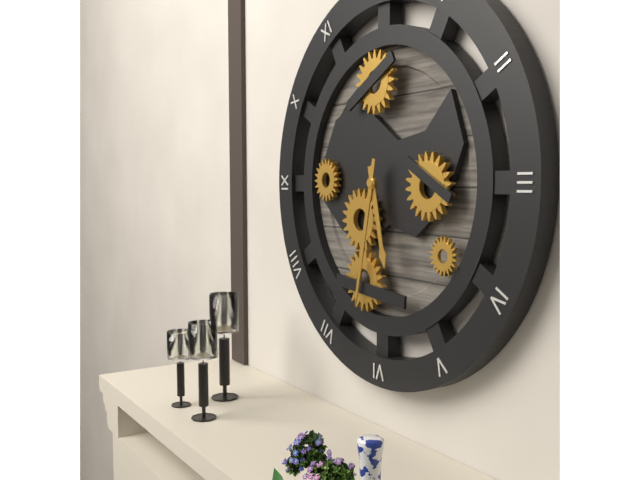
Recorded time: 5.32
